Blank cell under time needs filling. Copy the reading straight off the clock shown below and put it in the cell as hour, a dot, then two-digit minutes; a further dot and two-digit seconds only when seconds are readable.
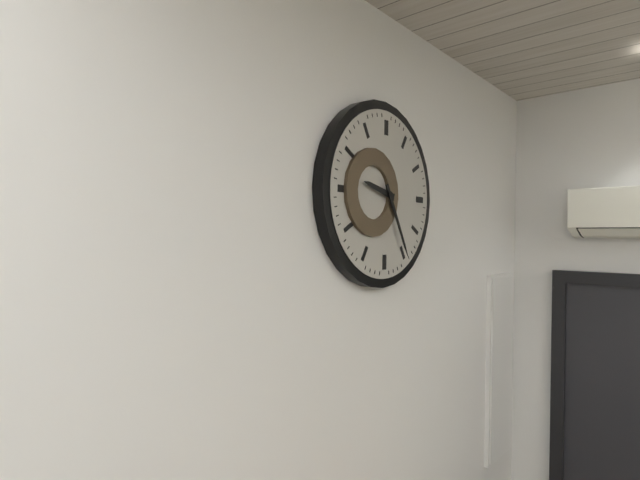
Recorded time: 9.25
